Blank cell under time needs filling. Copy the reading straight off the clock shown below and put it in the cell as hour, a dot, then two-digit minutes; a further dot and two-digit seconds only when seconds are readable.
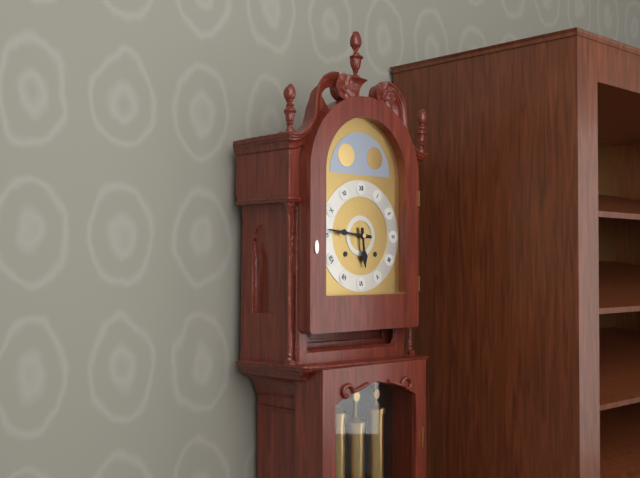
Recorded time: 5.46
